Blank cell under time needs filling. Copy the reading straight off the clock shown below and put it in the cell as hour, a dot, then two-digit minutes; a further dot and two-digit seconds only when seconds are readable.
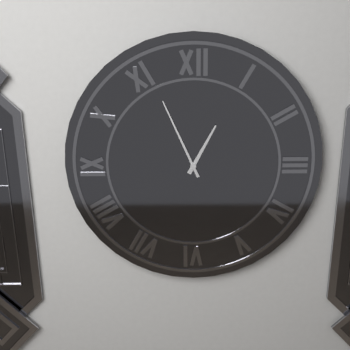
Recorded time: 12.56
